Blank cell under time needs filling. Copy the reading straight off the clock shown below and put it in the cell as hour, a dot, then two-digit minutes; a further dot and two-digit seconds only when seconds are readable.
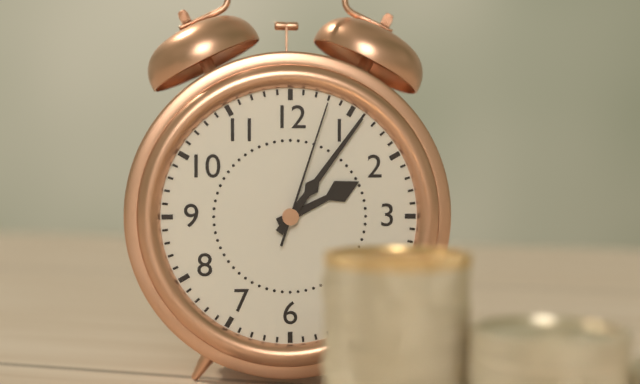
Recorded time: 2.06.03
